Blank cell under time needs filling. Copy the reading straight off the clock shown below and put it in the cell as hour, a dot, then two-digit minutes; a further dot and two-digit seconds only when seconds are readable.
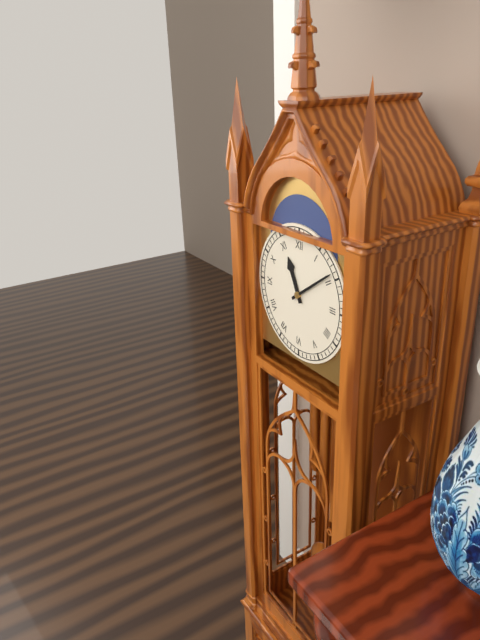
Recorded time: 11.09
